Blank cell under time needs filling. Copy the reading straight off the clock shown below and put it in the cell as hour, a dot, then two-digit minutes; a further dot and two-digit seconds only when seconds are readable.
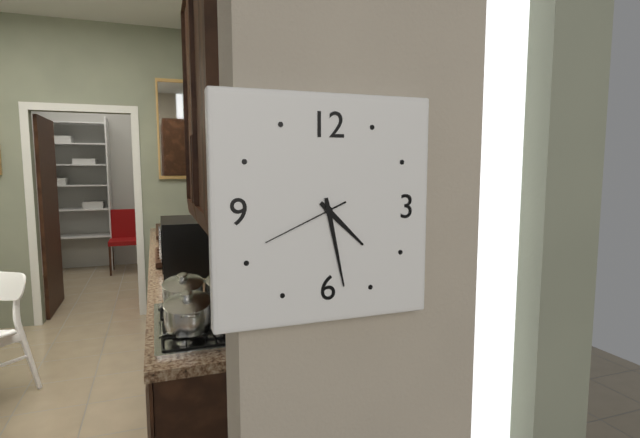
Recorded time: 4.28.41
